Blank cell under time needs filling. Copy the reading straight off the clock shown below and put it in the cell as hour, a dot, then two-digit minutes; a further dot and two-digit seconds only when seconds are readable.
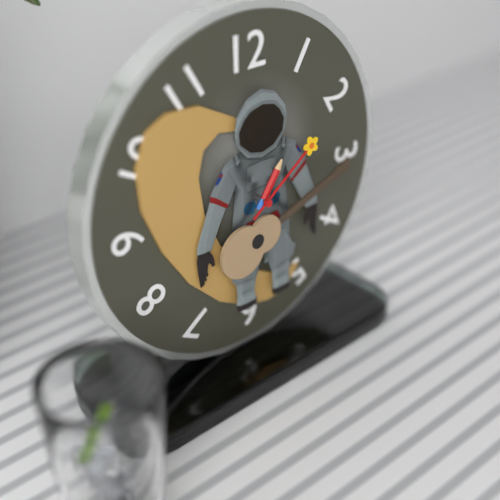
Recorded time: 1.09
